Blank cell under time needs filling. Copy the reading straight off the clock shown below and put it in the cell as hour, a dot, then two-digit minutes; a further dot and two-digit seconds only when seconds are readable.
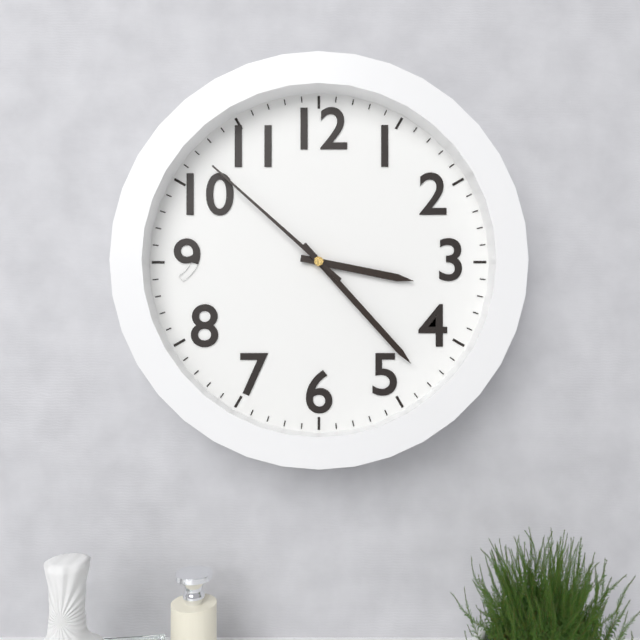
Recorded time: 3.23.52
